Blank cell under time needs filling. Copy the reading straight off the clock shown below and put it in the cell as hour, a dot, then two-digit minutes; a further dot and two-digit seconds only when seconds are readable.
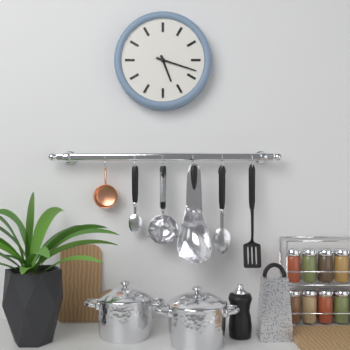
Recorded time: 5.18
